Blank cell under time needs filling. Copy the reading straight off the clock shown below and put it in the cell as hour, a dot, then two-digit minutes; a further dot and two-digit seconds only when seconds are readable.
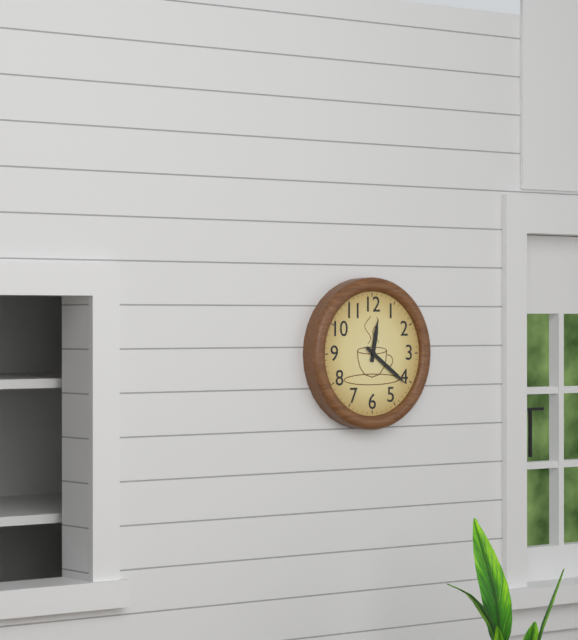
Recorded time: 12.21
